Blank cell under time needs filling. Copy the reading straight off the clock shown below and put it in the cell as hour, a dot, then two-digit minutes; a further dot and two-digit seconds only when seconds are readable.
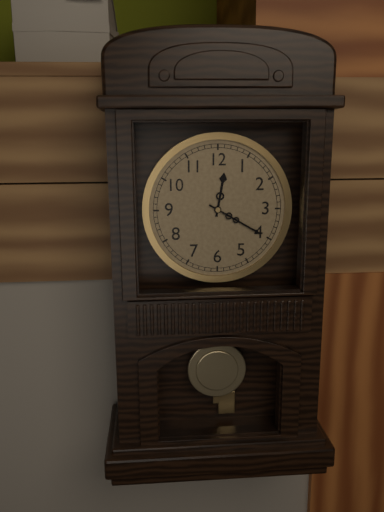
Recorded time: 12.20
